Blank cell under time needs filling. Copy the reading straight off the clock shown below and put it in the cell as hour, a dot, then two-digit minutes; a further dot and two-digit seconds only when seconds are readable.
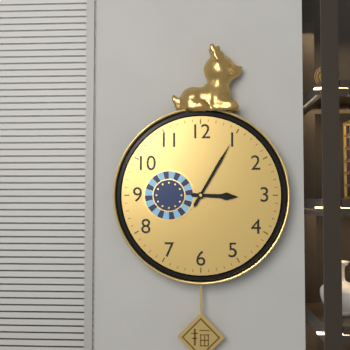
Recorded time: 3.05
